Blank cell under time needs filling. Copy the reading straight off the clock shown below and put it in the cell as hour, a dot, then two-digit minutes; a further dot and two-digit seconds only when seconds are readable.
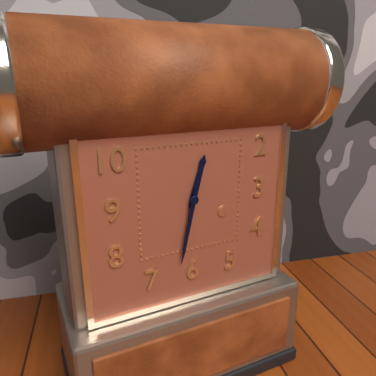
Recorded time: 12.32
